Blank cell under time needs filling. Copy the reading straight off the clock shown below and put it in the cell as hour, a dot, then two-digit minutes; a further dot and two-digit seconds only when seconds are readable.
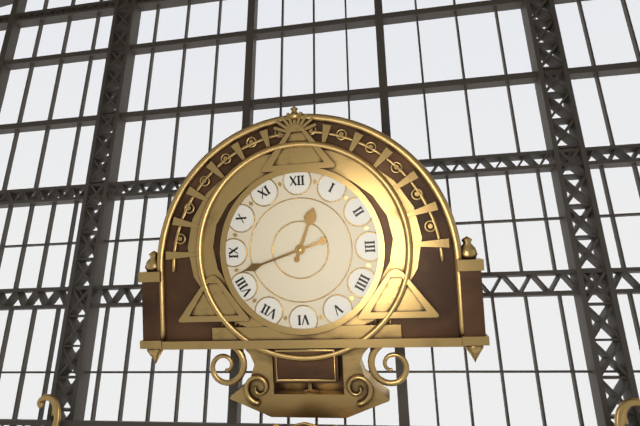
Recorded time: 12.42
